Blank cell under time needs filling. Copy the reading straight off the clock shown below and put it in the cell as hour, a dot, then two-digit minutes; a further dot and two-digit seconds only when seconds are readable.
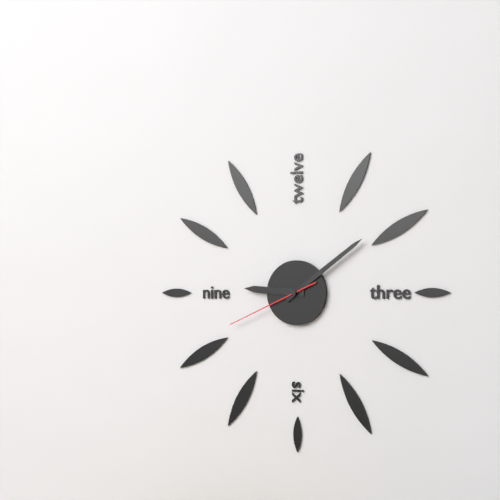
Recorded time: 9.09.41
